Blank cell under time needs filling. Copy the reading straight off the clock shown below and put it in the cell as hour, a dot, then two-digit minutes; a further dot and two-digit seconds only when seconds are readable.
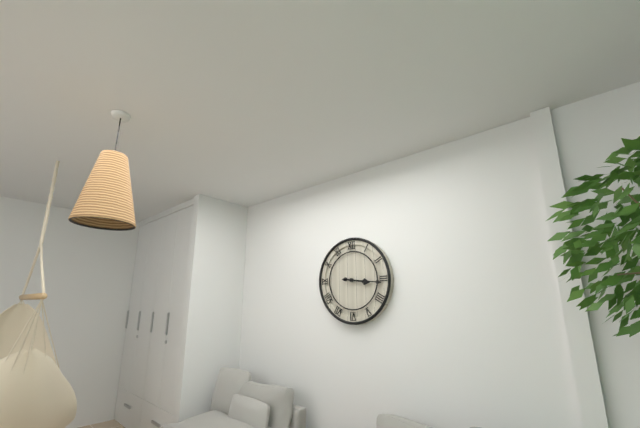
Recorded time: 3.16
